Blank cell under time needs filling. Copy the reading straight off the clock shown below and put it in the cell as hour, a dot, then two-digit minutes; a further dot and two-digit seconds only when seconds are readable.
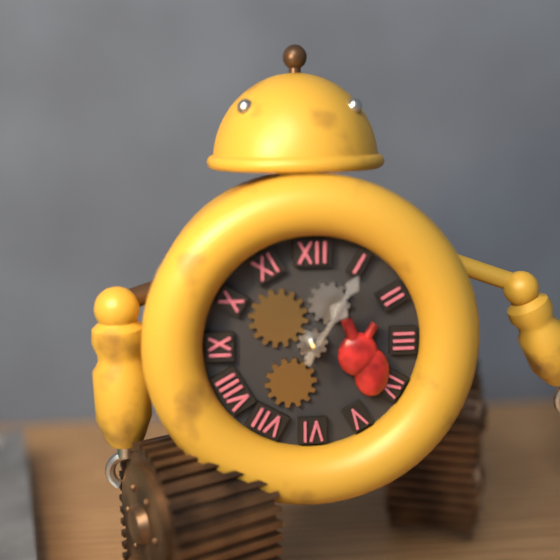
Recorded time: 1.05
